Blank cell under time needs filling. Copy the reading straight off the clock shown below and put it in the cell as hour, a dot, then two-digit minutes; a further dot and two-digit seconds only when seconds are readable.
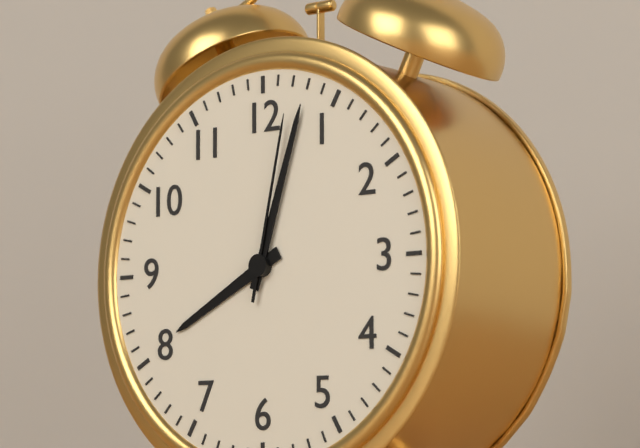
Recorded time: 8.03.02
